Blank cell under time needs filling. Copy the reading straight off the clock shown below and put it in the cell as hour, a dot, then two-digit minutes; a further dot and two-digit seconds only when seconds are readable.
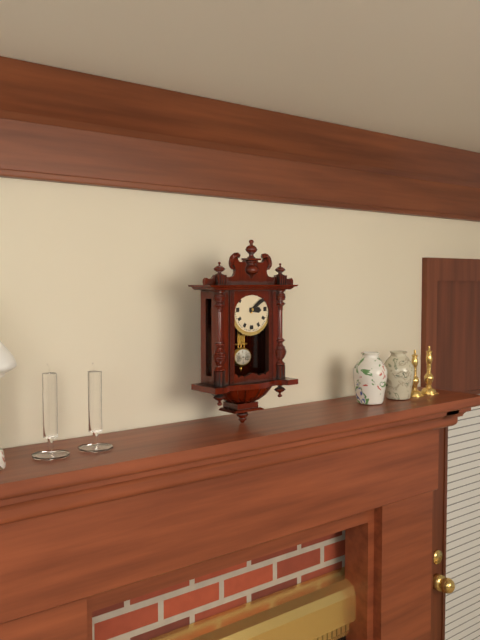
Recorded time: 3.09
